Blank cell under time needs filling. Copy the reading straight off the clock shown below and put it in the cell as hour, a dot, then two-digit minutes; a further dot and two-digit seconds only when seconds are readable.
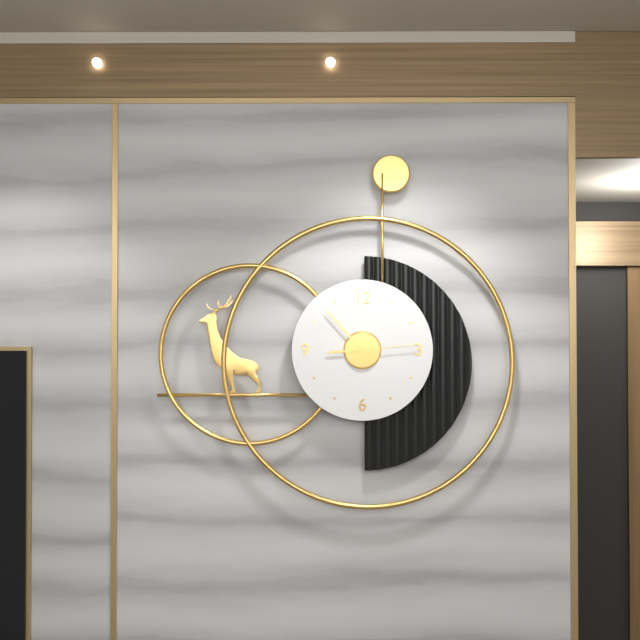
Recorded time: 8.53.14
